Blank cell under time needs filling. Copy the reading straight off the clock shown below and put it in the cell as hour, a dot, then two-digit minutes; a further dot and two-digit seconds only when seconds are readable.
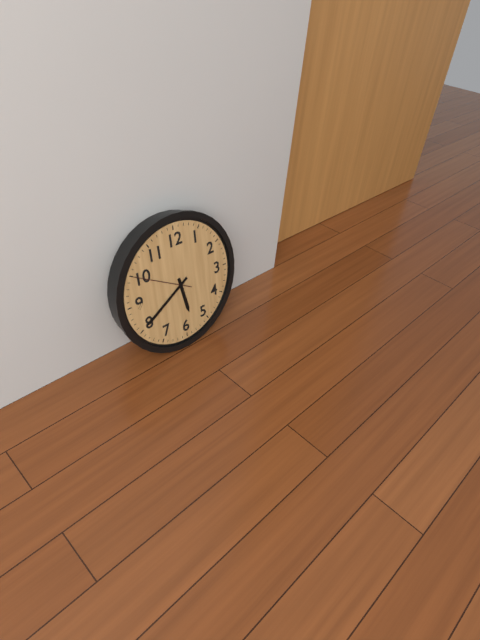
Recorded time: 5.40.50
